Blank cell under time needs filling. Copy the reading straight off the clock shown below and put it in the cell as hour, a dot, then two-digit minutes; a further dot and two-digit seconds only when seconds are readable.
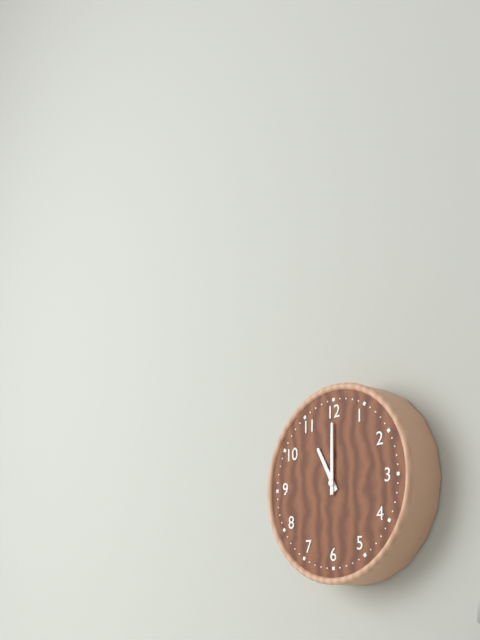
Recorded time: 11.00
